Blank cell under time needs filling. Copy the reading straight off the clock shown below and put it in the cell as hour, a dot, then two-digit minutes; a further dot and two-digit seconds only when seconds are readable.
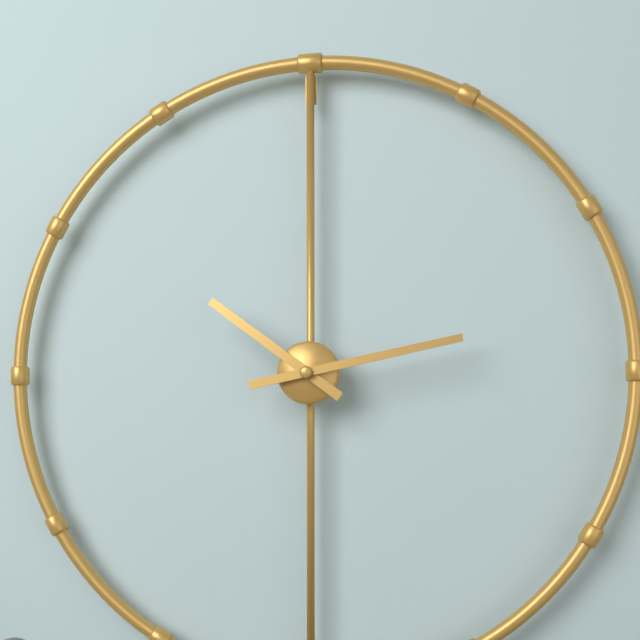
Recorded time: 10.13
